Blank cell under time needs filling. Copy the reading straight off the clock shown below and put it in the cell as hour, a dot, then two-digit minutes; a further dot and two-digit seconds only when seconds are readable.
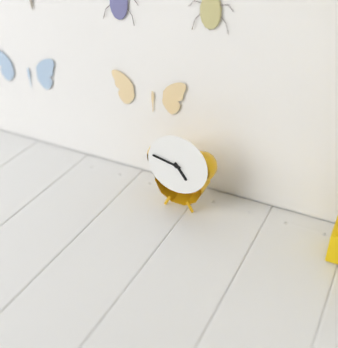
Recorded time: 4.47
